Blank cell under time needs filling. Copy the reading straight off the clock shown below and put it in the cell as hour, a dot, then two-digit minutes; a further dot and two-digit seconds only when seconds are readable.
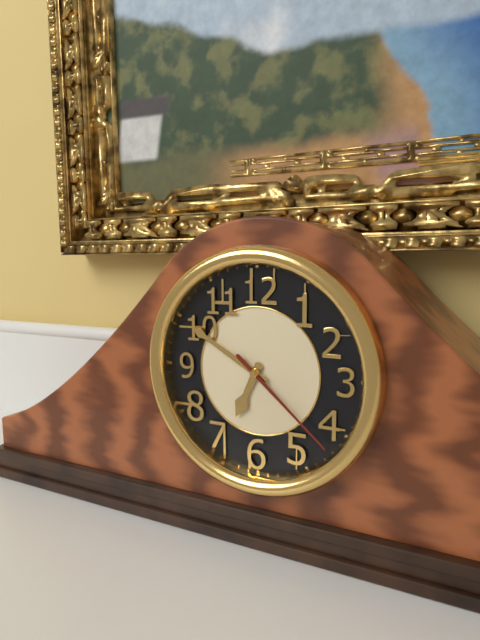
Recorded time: 6.50.22
